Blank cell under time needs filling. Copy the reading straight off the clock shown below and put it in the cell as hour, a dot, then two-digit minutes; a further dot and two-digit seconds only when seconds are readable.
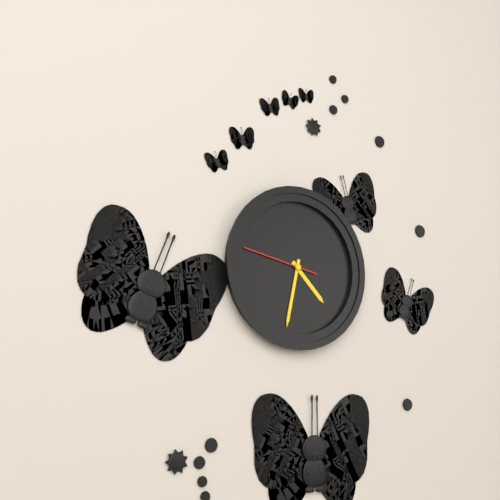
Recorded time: 4.32.47
